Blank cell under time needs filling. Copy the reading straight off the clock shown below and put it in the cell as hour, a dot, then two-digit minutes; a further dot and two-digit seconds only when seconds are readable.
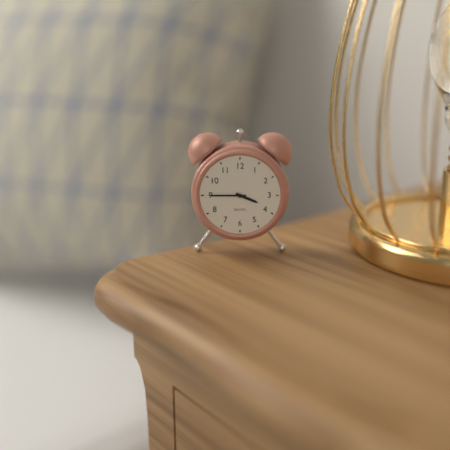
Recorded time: 3.45
